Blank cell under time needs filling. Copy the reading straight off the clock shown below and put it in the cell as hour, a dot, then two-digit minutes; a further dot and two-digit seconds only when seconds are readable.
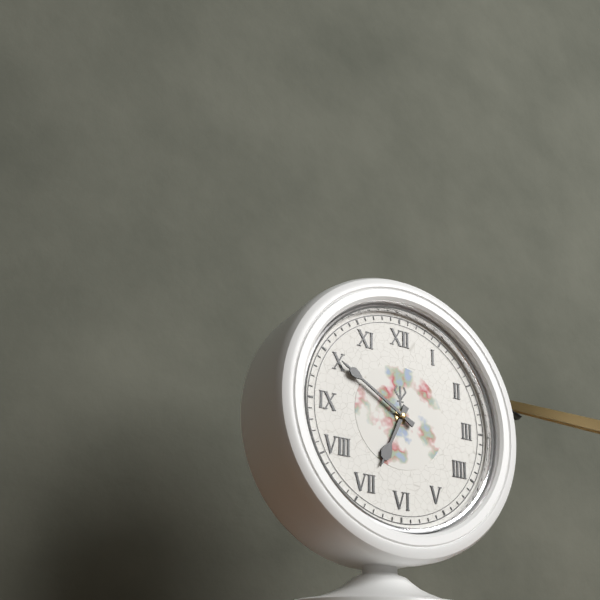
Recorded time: 6.50
